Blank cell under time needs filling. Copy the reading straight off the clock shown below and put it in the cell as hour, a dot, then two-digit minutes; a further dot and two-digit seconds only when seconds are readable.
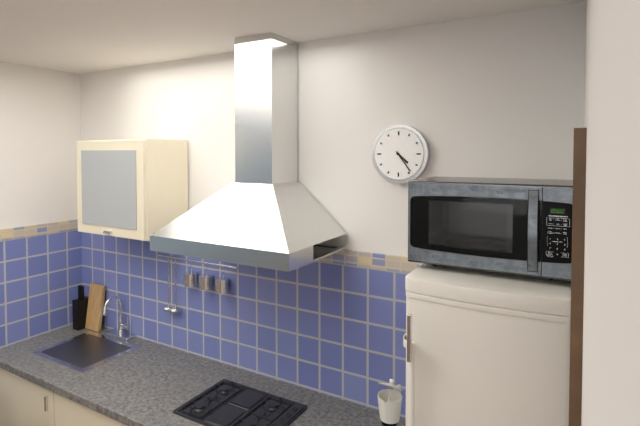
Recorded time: 4.24
